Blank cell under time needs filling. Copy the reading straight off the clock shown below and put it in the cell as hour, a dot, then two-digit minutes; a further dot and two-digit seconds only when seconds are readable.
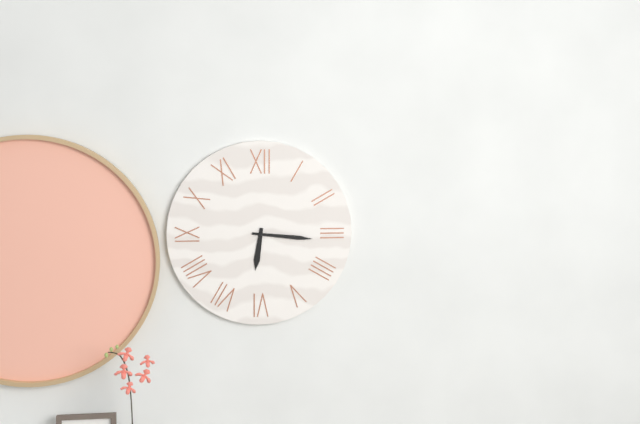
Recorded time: 6.16
